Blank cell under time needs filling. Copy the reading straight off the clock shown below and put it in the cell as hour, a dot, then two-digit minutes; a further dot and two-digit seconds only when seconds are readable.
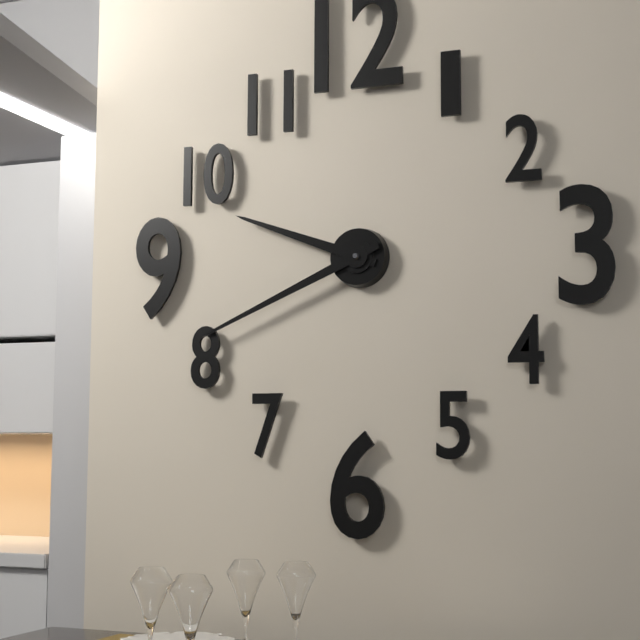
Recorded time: 9.41
